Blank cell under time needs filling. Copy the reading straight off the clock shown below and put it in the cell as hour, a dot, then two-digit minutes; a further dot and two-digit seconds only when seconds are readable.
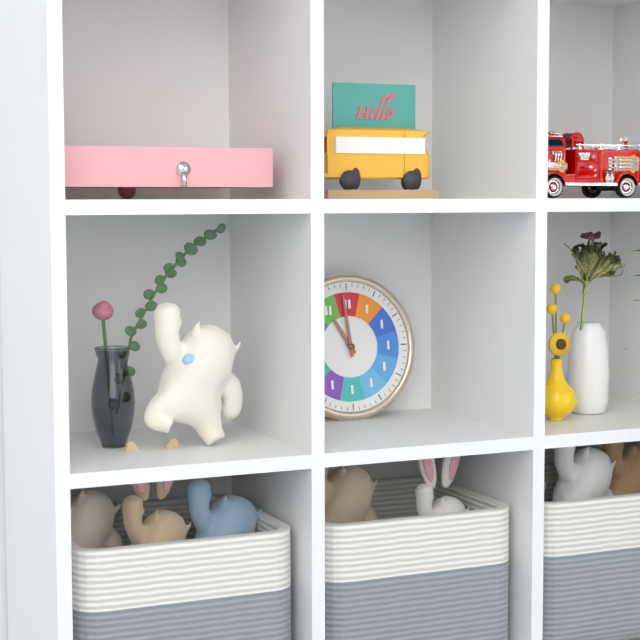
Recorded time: 10.59
